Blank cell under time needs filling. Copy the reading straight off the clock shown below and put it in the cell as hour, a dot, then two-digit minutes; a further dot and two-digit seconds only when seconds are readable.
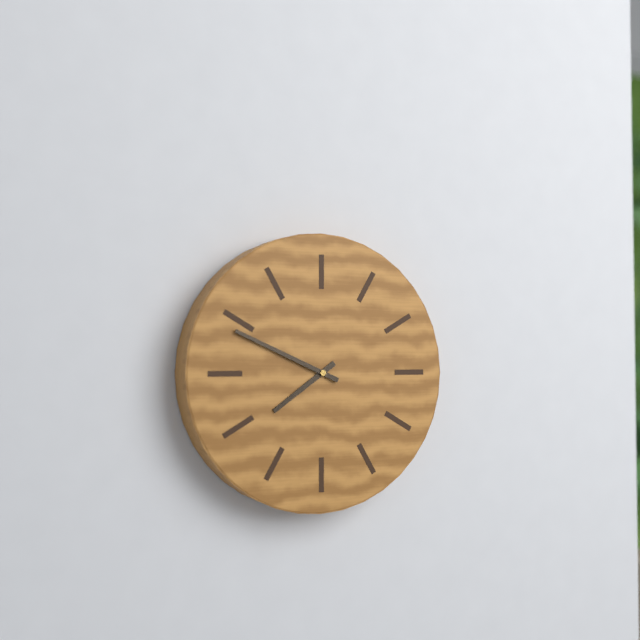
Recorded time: 7.49
